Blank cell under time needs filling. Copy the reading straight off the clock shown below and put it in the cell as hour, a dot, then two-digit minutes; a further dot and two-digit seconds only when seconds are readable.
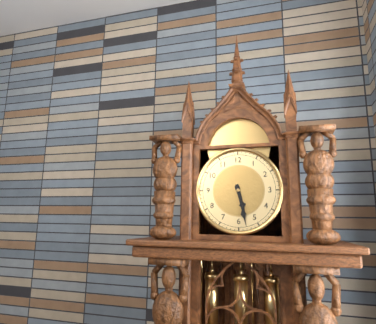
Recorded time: 5.28
